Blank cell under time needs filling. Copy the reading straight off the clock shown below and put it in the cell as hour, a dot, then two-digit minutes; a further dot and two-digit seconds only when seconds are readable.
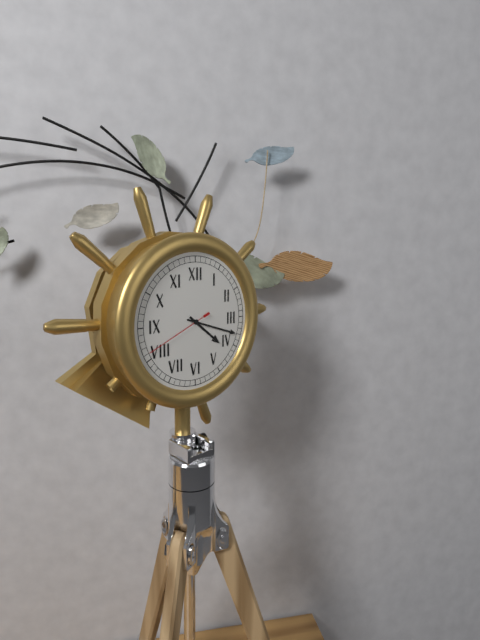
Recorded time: 4.18.41
